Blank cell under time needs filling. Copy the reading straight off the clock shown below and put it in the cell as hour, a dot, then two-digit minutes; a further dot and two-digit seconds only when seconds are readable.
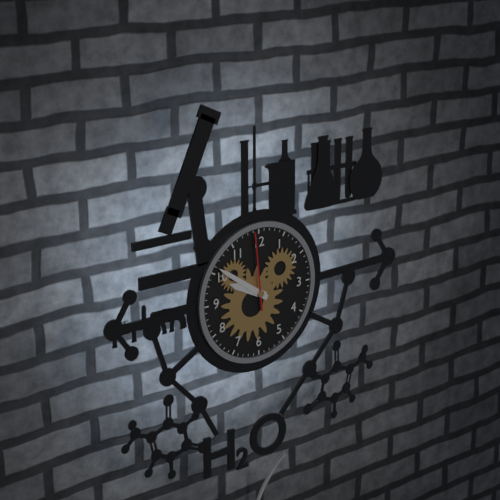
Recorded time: 9.51.59
